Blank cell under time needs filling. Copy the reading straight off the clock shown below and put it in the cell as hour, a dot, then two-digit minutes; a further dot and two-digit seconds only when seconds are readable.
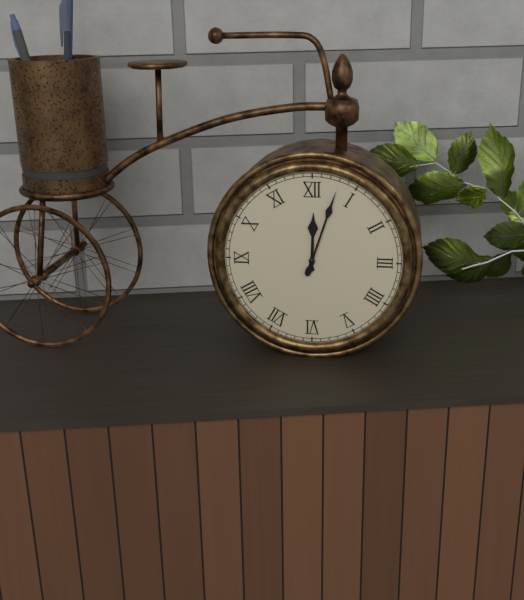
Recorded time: 12.03
